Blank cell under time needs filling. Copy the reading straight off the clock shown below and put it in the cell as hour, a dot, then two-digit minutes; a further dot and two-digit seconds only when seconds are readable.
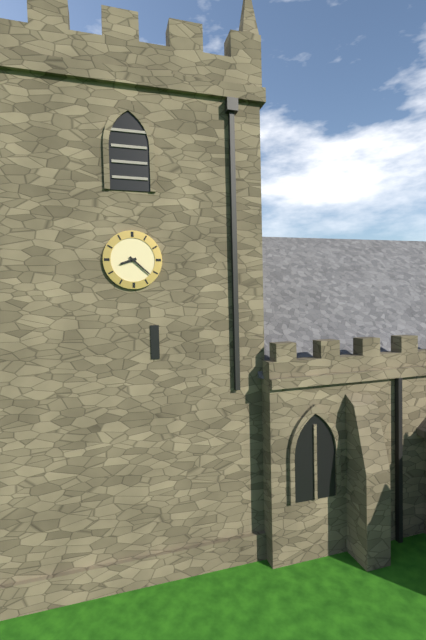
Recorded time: 8.22
